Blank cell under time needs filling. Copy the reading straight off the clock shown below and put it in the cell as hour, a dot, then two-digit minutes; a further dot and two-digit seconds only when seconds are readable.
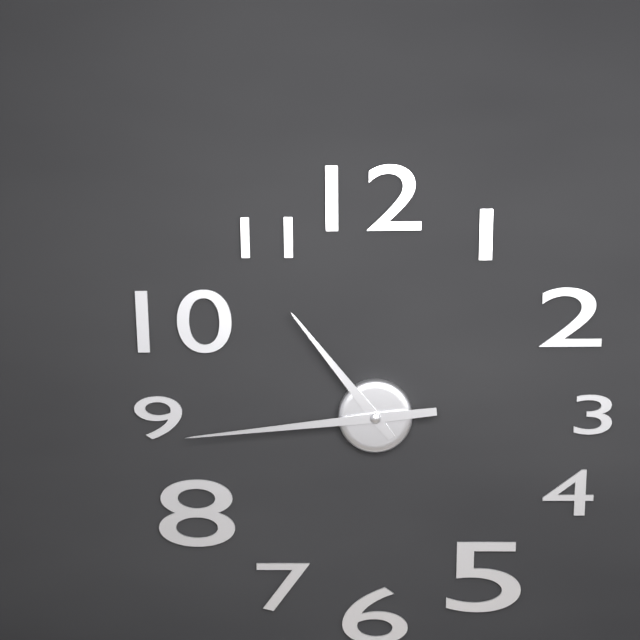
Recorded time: 10.44
